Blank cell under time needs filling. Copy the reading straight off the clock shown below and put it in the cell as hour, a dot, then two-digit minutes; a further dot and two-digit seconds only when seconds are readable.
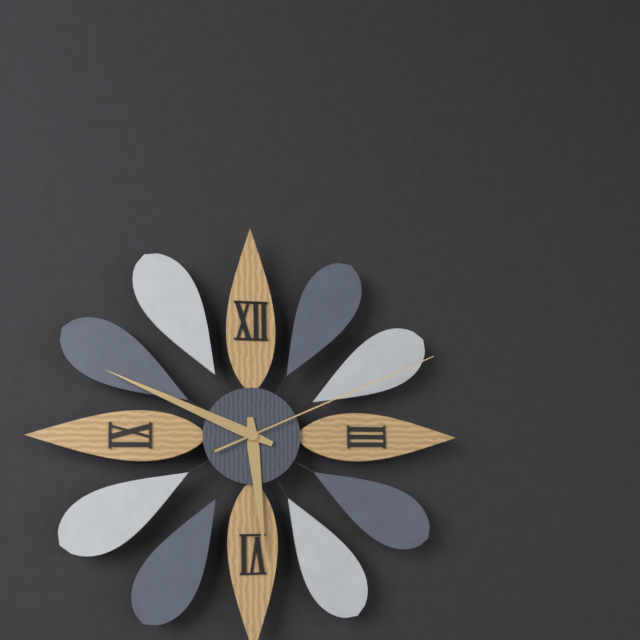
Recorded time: 5.49.11
